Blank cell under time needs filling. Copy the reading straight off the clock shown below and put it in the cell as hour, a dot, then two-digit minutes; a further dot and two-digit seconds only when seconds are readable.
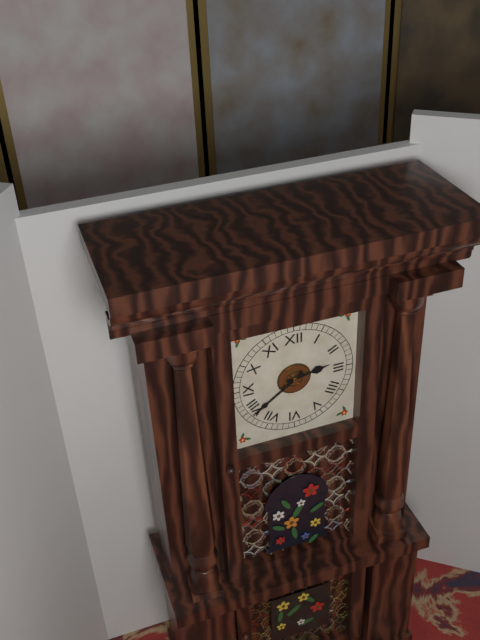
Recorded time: 2.39
